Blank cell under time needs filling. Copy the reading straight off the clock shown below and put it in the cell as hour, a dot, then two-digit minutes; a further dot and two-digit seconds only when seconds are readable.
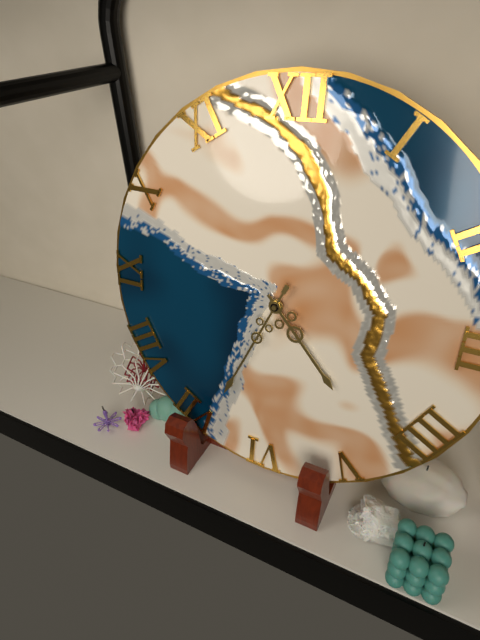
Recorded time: 4.34
